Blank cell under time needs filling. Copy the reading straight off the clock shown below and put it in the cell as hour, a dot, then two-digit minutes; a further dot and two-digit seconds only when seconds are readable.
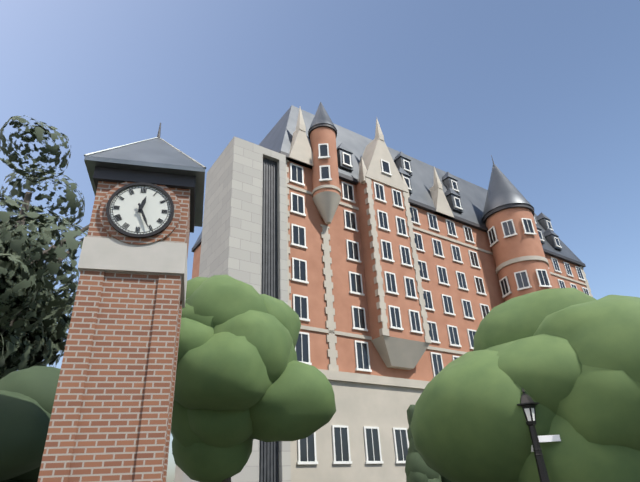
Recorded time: 12.26
